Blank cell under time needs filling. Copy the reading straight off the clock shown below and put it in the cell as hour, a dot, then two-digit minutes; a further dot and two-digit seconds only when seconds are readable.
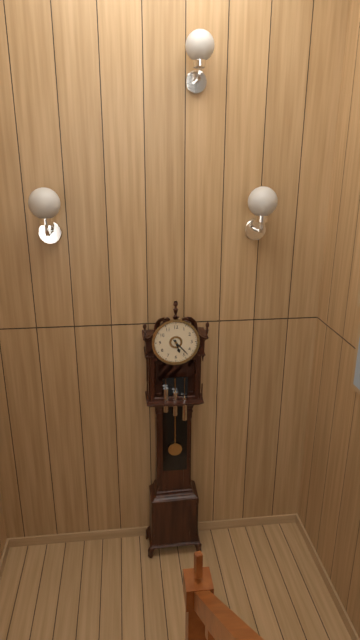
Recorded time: 5.23
